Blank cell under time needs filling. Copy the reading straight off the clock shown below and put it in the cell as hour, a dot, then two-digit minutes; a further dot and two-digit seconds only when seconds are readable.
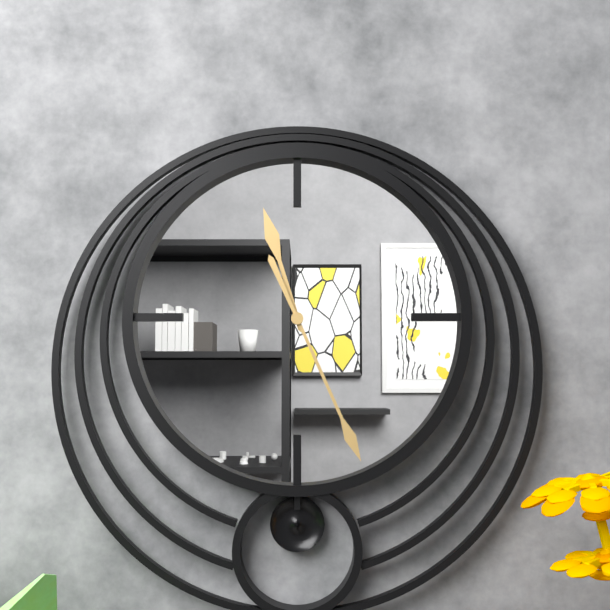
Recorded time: 11.26
